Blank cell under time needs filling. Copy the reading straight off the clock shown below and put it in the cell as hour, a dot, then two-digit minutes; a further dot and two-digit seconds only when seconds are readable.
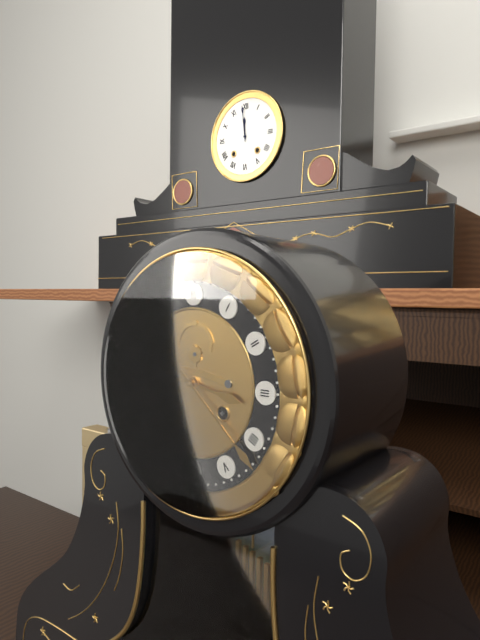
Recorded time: 3.22
